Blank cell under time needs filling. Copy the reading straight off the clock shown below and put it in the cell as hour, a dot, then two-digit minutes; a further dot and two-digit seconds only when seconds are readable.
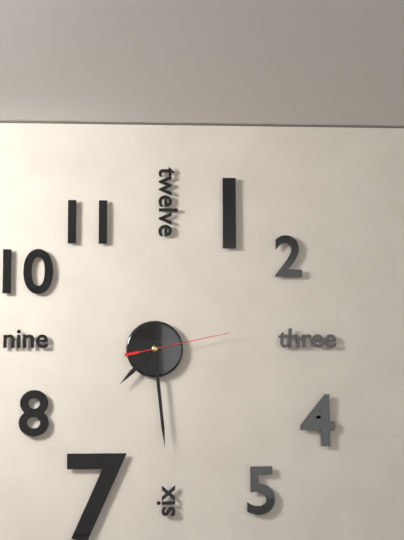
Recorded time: 7.29.13
